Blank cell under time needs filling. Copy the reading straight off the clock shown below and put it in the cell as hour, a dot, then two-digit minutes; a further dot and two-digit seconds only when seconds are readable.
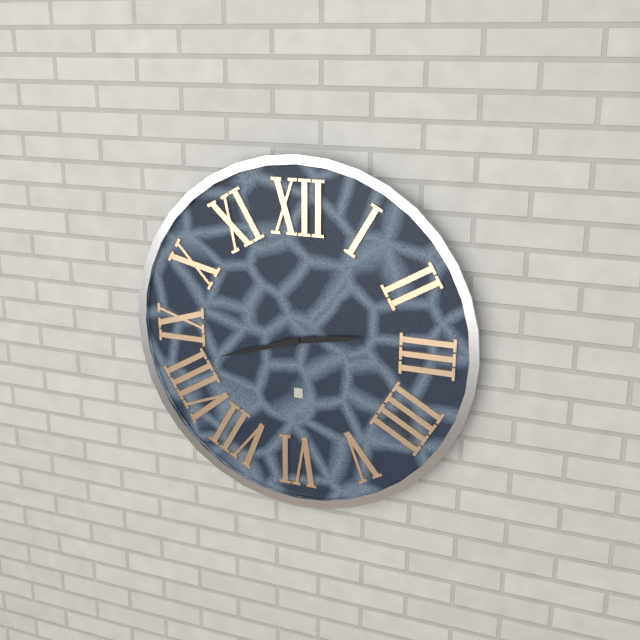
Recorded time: 2.42
